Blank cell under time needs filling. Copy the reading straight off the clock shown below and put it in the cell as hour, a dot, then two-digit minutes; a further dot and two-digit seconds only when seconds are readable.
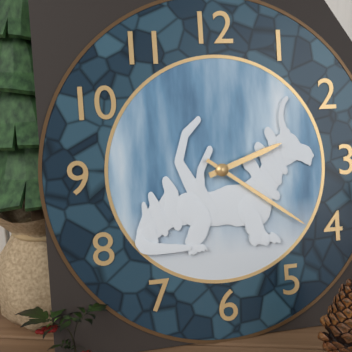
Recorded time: 2.21
